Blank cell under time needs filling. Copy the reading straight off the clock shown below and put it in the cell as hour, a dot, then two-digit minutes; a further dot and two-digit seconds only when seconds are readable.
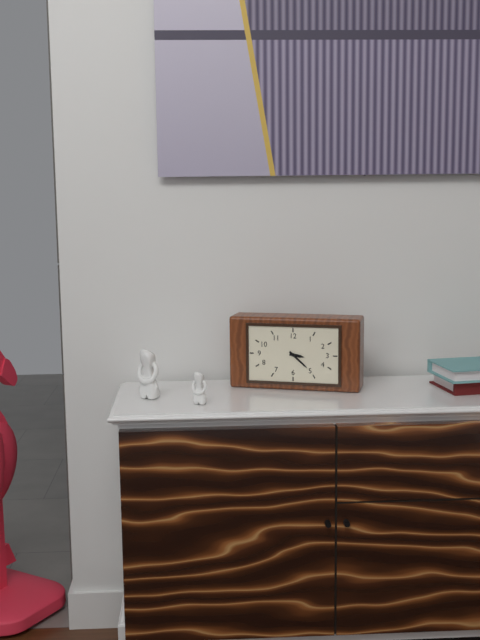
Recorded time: 3.22
